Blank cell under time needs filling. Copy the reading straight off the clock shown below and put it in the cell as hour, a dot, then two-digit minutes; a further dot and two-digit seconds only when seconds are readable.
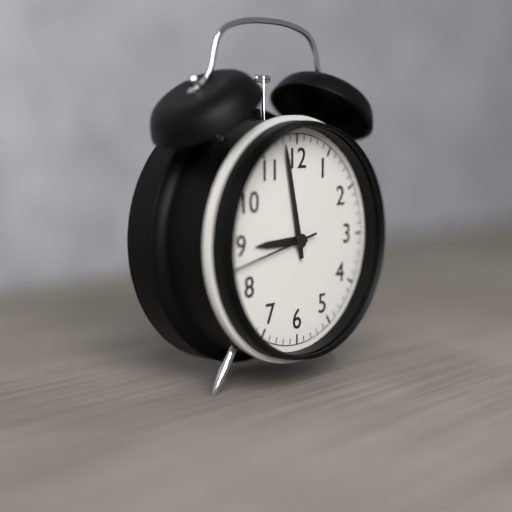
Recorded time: 8.58.43
